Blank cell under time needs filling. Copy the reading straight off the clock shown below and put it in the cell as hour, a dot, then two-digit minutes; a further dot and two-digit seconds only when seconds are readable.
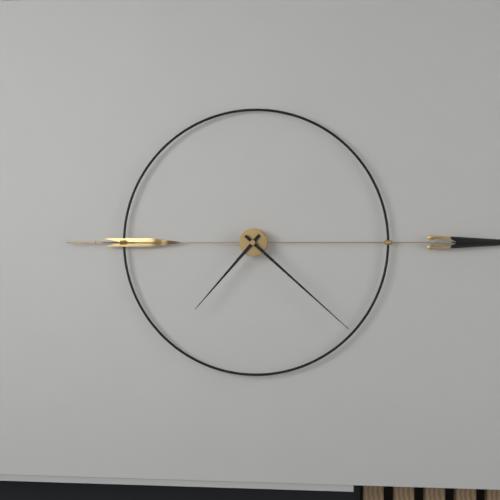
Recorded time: 7.22
